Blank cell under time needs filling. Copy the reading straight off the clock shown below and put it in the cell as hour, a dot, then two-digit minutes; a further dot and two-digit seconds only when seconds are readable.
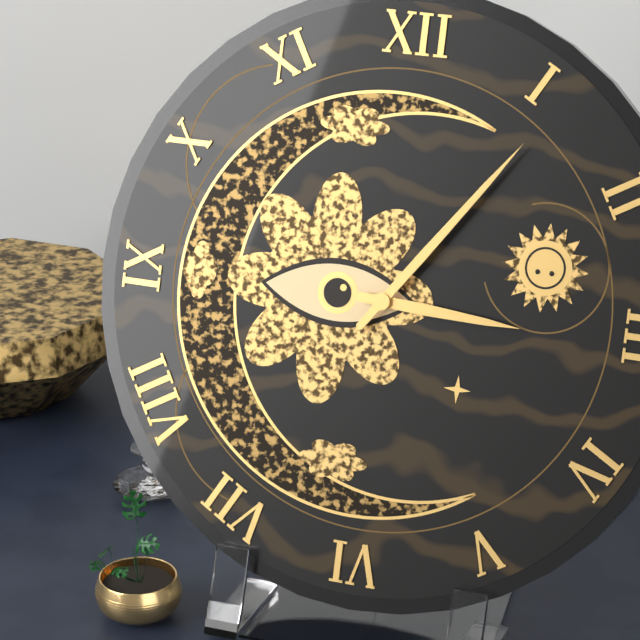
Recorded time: 3.06
